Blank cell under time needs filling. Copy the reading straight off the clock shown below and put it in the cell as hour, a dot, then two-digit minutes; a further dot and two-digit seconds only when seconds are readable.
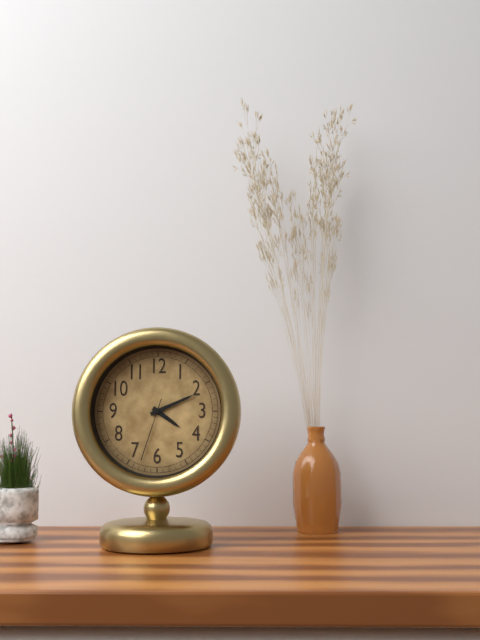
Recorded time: 4.11.33
